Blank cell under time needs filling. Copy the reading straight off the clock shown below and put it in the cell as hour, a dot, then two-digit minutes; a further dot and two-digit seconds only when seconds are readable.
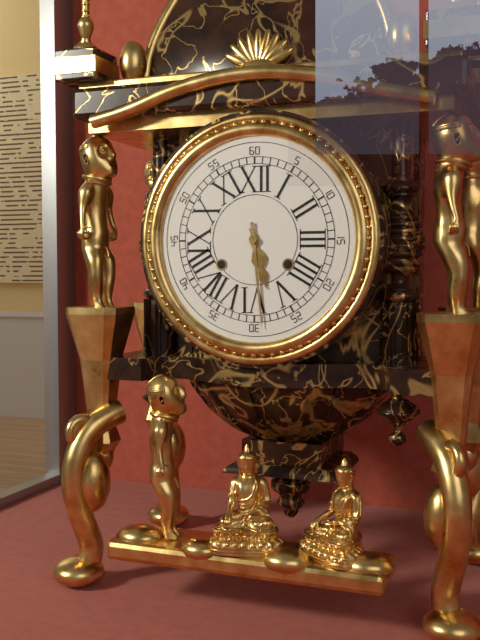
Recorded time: 5.29
